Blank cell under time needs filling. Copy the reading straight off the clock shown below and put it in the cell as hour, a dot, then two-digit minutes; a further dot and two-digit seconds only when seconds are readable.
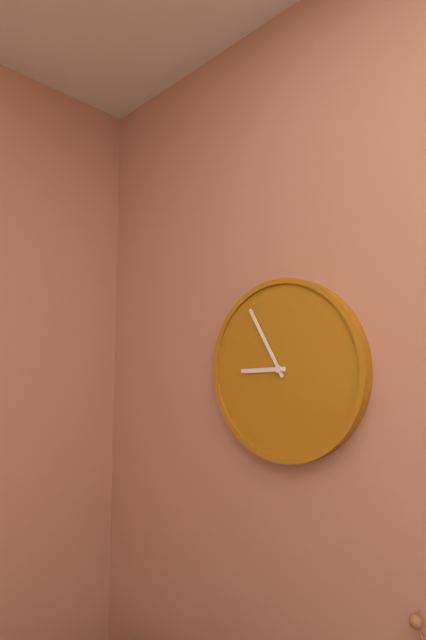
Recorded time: 8.55
